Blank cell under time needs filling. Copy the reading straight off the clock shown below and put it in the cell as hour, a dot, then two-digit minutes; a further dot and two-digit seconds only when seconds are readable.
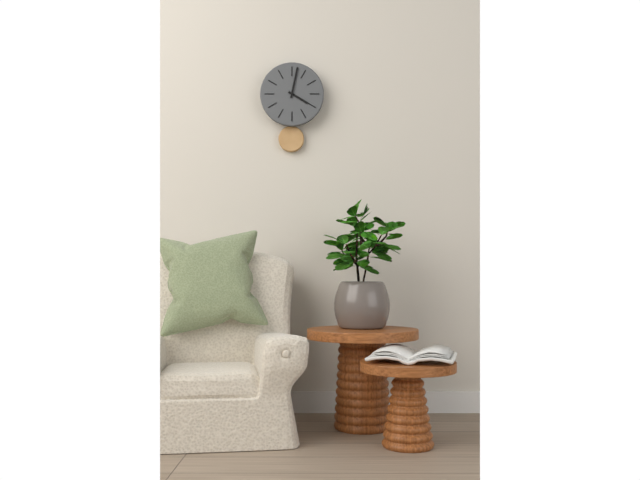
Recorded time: 4.02
